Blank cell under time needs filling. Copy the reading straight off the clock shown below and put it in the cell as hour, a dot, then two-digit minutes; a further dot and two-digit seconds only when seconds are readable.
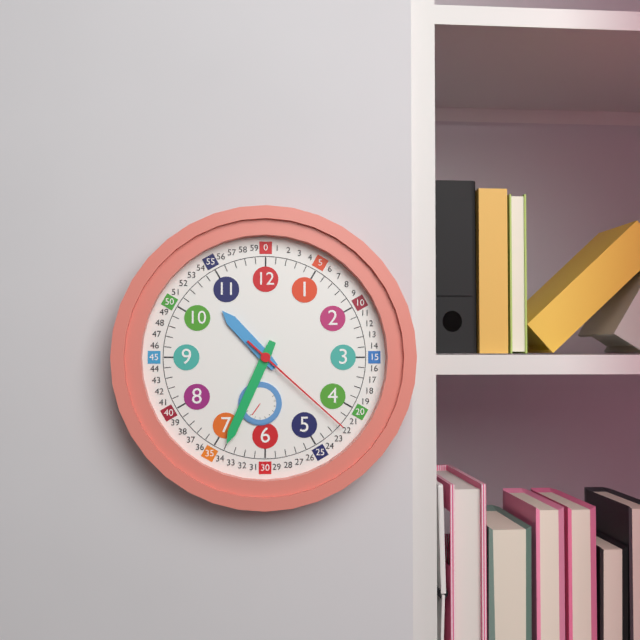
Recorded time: 10.34.22
